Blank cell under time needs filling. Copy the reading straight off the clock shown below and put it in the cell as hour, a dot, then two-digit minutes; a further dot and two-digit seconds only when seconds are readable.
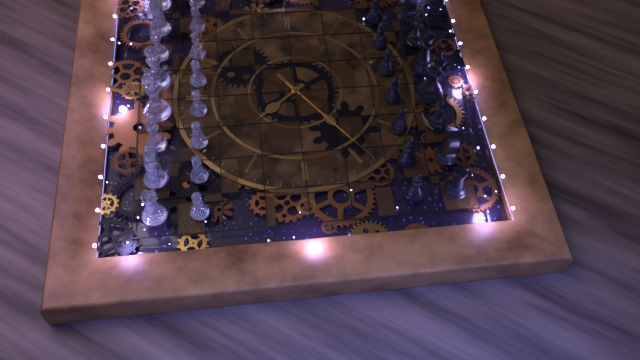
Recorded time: 10.39.39
